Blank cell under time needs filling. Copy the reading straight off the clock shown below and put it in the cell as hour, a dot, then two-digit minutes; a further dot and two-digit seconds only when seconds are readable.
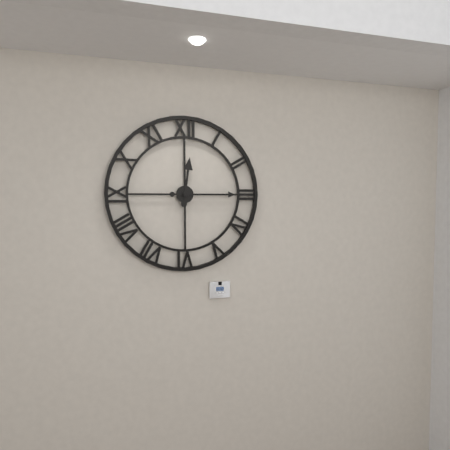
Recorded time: 12.15
